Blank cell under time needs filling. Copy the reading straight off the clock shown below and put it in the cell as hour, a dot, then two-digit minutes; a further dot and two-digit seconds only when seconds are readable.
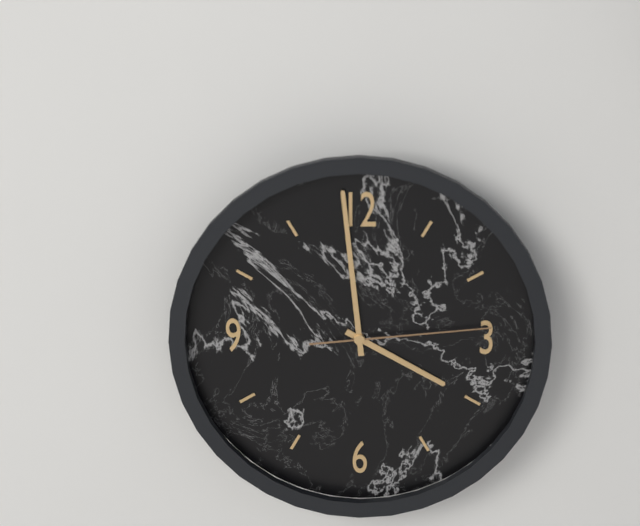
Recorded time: 3.59.14
